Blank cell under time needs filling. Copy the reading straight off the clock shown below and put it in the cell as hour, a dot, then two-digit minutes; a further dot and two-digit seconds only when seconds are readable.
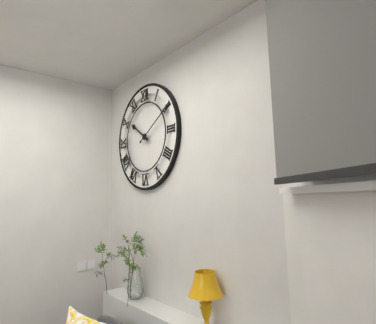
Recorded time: 10.10
